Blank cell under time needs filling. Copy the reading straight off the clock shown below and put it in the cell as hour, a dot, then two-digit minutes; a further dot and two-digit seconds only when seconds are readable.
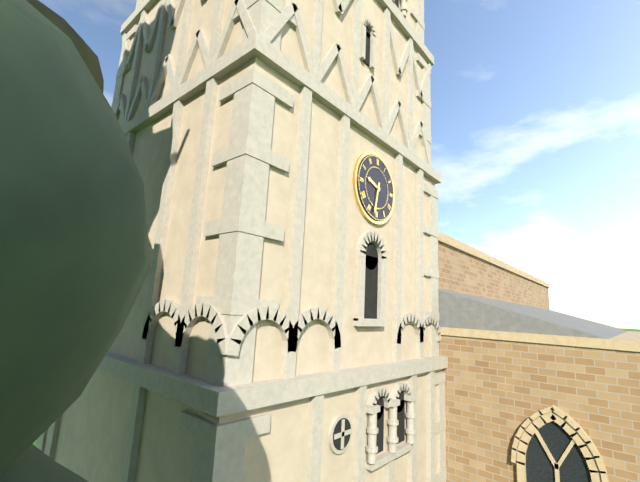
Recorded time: 9.32
